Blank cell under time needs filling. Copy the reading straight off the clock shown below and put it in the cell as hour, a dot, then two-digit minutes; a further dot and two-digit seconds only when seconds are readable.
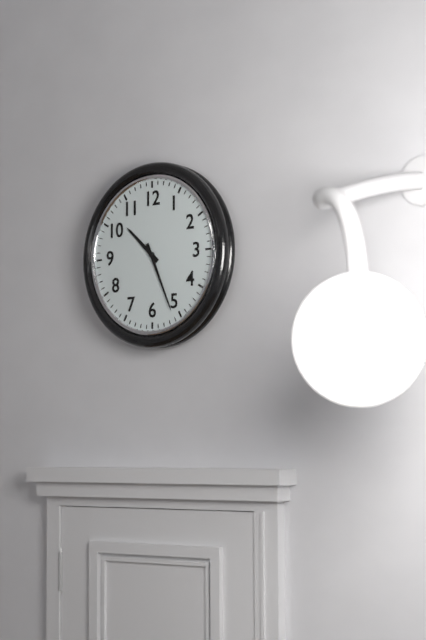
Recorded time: 10.26
